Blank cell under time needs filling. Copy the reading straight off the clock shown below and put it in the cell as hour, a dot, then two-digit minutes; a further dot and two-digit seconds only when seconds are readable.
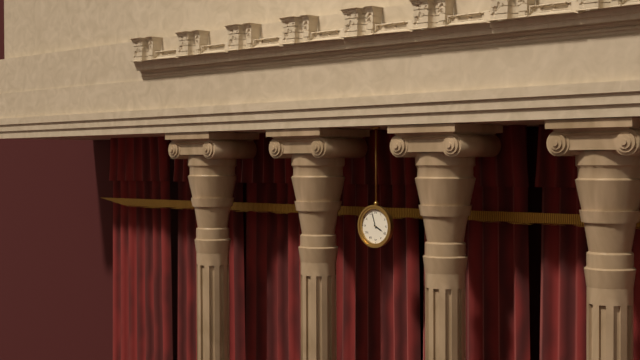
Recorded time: 3.57
